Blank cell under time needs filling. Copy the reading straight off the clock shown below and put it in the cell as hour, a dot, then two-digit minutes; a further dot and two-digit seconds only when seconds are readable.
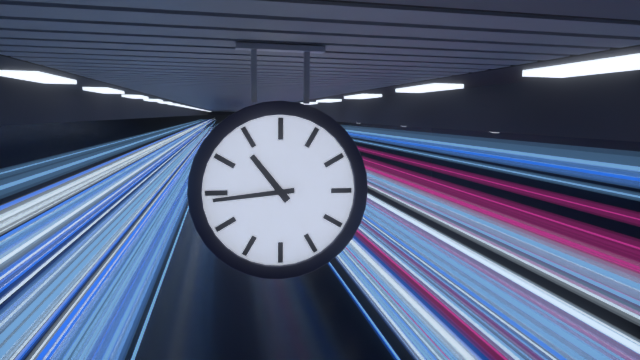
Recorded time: 10.44
